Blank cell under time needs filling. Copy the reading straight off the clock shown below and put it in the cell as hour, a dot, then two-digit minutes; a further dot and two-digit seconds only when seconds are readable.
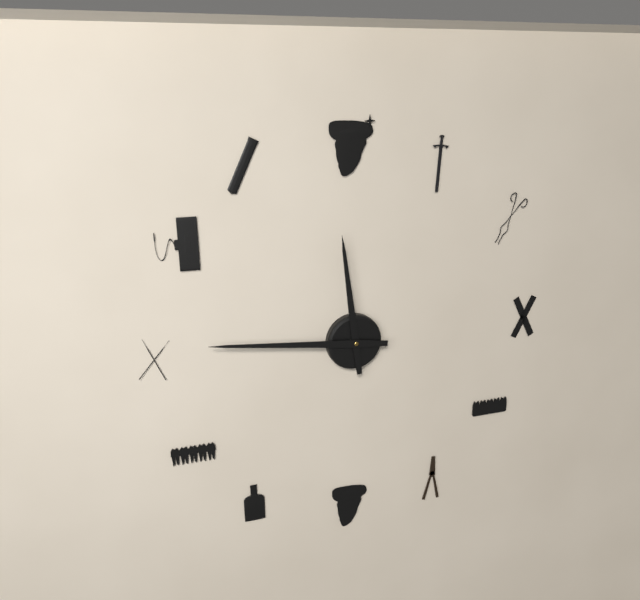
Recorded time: 11.46
